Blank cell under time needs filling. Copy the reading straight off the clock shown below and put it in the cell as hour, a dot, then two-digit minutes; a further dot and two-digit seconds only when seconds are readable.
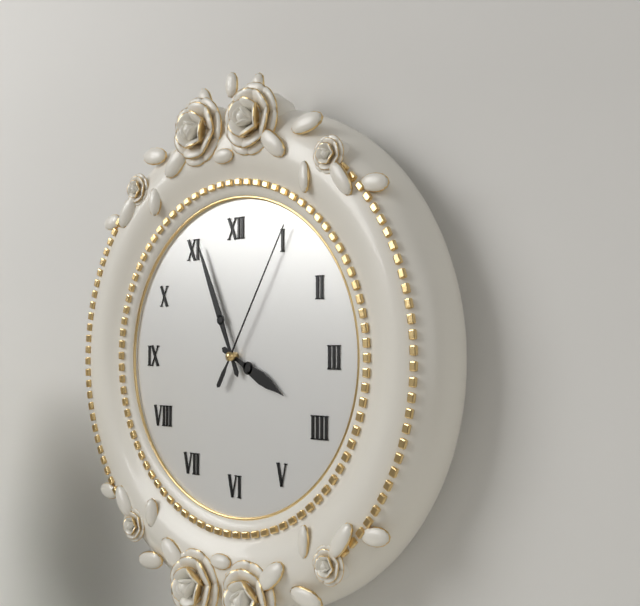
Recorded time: 3.56.05
